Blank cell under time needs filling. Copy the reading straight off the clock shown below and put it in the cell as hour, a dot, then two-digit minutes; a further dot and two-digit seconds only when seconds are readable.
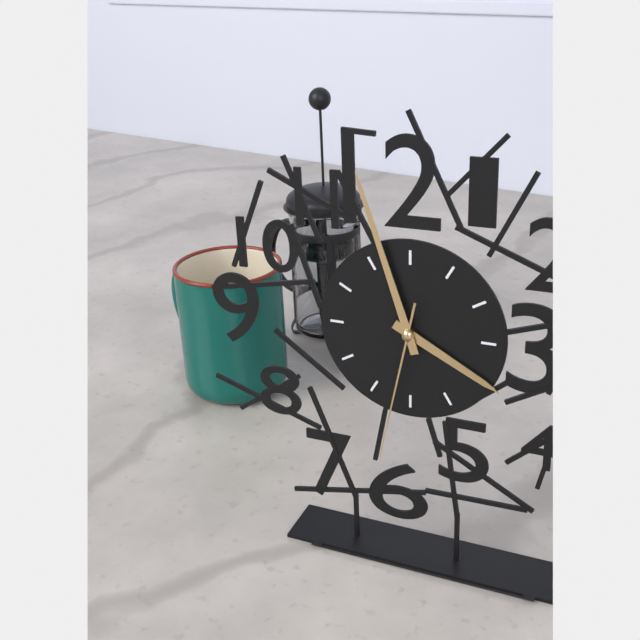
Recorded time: 3.57.32
